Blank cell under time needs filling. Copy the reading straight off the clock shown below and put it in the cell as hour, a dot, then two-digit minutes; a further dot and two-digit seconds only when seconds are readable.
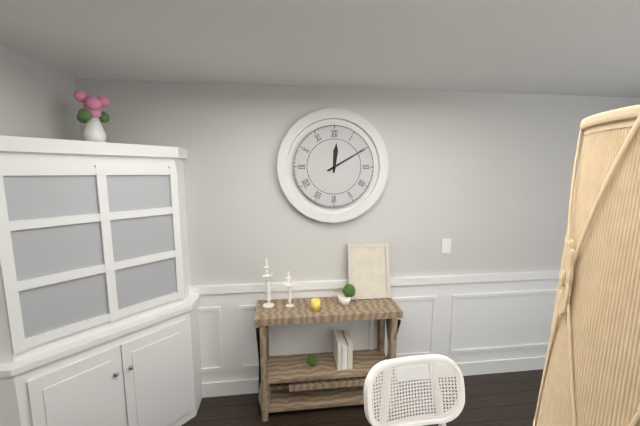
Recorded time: 12.10
